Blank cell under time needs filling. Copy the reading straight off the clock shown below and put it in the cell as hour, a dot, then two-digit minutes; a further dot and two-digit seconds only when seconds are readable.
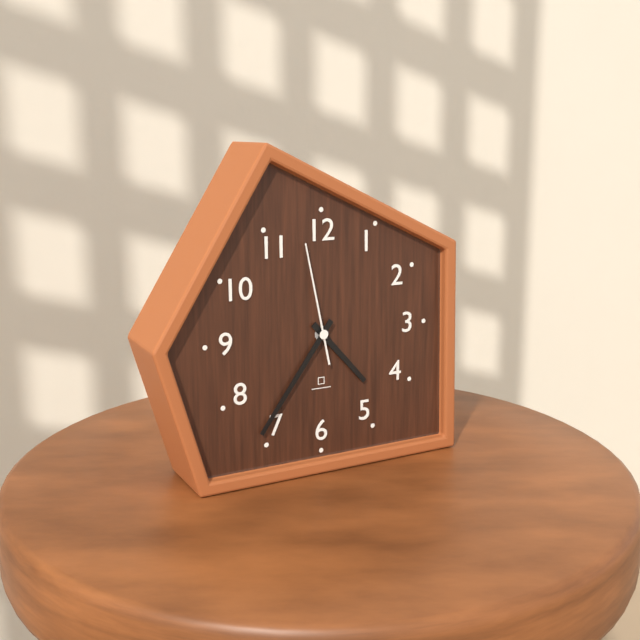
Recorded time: 4.36.58
